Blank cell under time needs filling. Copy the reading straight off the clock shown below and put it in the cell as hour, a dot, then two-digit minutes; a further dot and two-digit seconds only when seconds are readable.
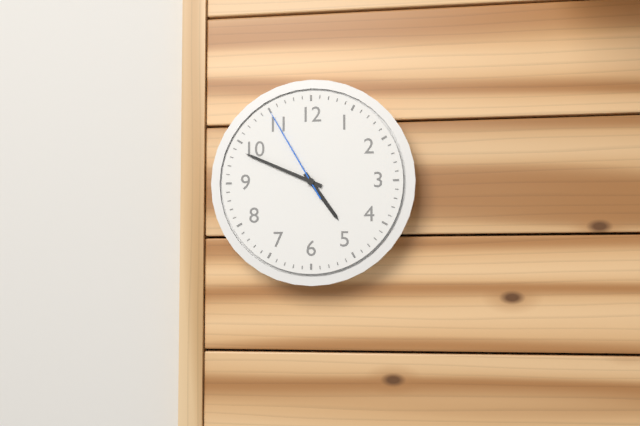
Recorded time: 4.49.55
